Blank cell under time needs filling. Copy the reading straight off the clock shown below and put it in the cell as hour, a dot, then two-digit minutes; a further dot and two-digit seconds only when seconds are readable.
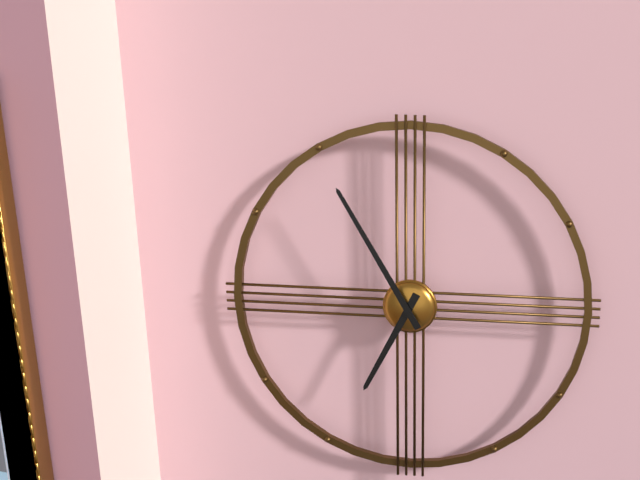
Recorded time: 6.55
